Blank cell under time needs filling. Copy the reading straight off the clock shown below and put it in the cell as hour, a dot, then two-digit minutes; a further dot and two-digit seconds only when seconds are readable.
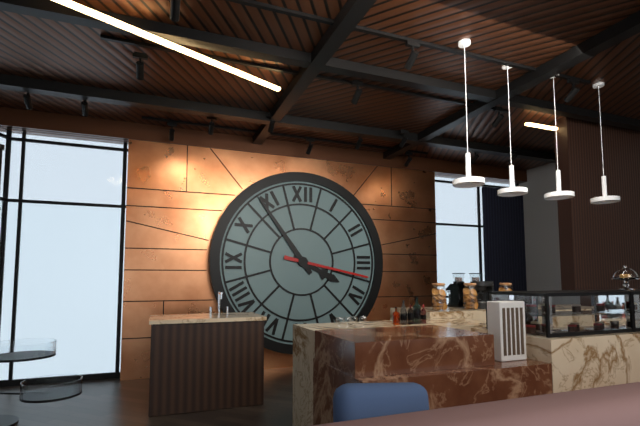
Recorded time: 3.54.17
